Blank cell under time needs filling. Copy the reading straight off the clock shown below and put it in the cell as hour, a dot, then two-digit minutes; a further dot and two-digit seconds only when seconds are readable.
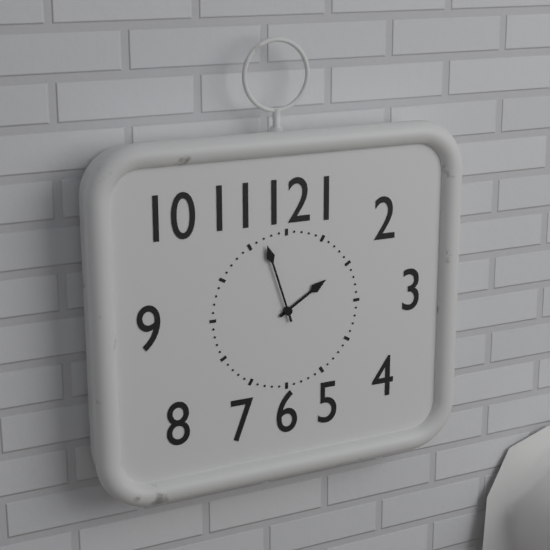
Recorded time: 1.57
